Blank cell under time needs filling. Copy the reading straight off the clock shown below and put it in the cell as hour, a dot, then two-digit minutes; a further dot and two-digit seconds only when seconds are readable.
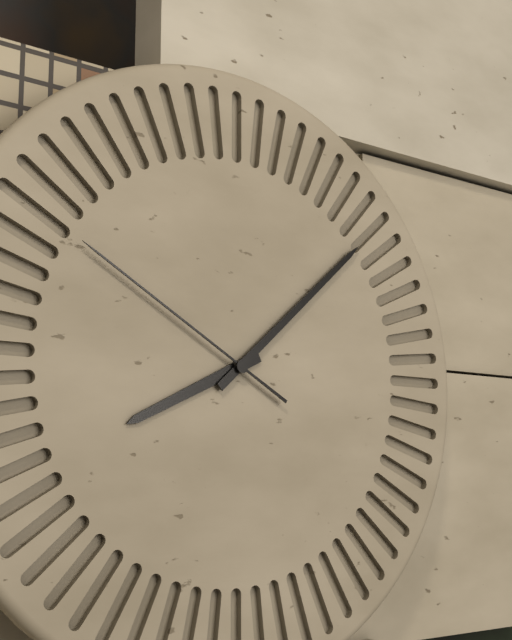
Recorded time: 8.08.50
